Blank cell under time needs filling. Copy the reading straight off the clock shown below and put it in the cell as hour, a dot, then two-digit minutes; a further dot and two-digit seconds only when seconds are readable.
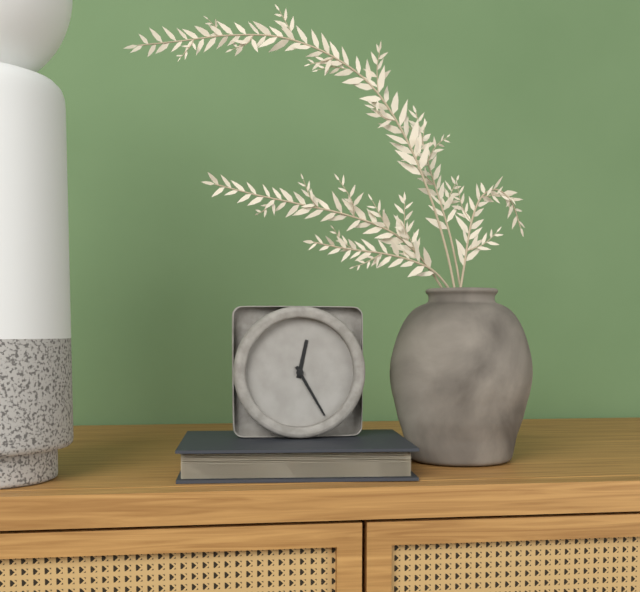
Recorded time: 12.25
